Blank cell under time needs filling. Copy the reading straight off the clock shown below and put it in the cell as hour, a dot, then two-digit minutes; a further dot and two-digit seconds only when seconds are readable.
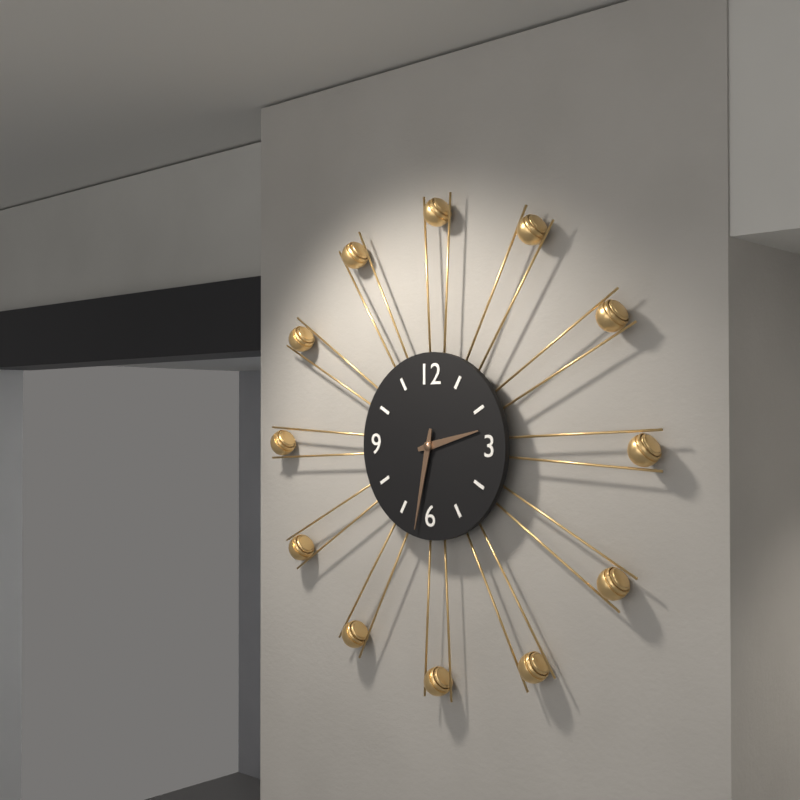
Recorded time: 2.32
